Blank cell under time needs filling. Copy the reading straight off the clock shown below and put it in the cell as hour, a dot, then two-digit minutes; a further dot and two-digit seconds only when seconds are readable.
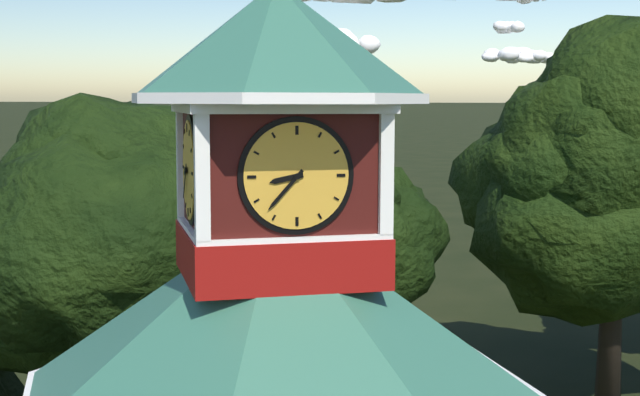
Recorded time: 8.37
